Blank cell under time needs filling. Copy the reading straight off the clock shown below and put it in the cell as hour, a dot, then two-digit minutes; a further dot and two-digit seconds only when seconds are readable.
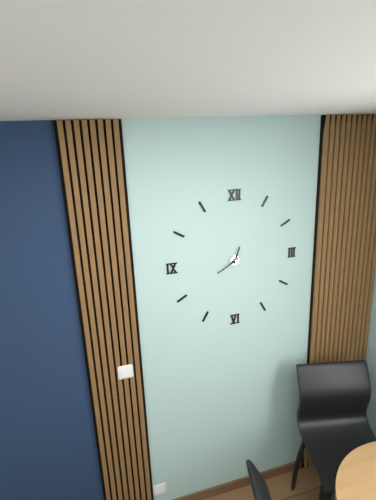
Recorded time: 12.40
